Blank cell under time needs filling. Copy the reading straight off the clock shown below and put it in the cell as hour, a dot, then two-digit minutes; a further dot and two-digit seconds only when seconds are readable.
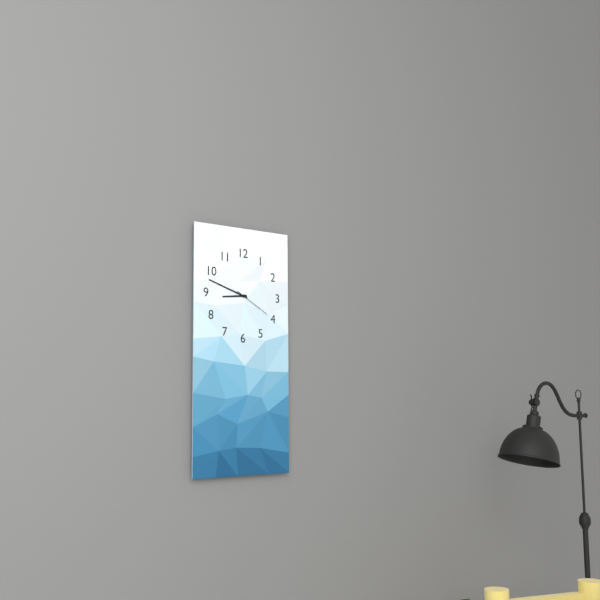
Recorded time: 8.48
